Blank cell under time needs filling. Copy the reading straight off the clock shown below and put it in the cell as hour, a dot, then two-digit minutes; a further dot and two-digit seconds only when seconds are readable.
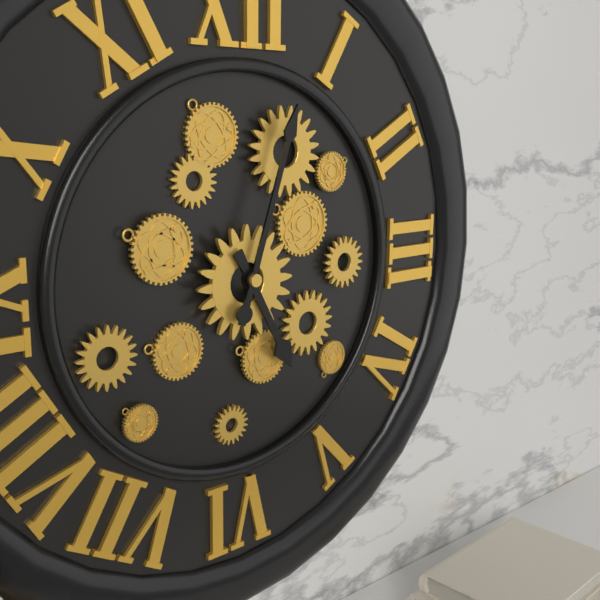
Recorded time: 5.03
